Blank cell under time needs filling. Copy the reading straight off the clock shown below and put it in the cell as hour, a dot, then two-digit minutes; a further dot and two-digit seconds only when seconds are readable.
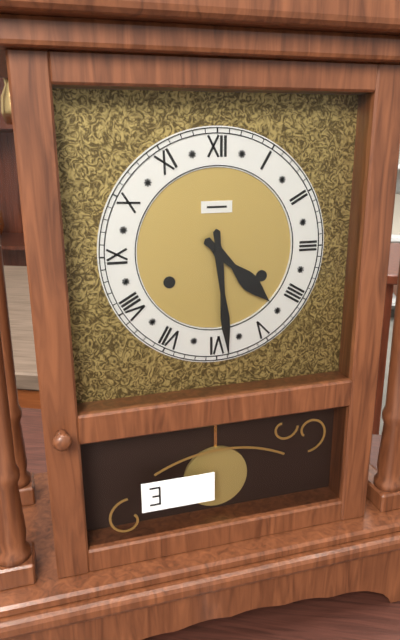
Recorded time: 4.29
